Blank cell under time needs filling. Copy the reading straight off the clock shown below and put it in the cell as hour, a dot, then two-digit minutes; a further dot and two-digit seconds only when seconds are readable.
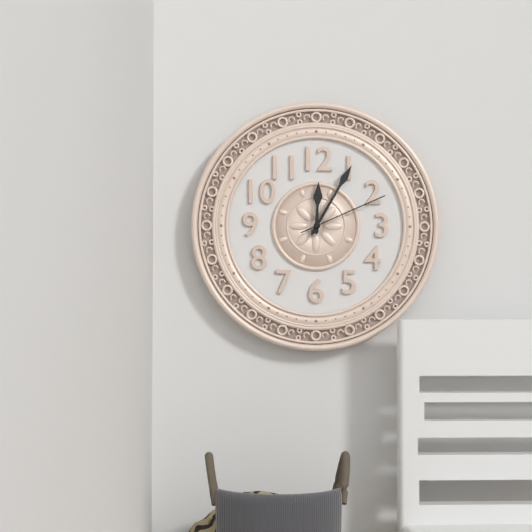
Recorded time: 12.05.11
